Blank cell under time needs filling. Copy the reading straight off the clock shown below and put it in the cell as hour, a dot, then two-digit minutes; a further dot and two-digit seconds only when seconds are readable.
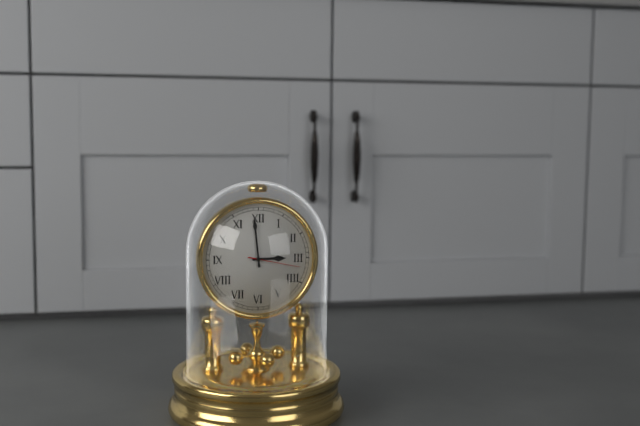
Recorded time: 2.59.17
